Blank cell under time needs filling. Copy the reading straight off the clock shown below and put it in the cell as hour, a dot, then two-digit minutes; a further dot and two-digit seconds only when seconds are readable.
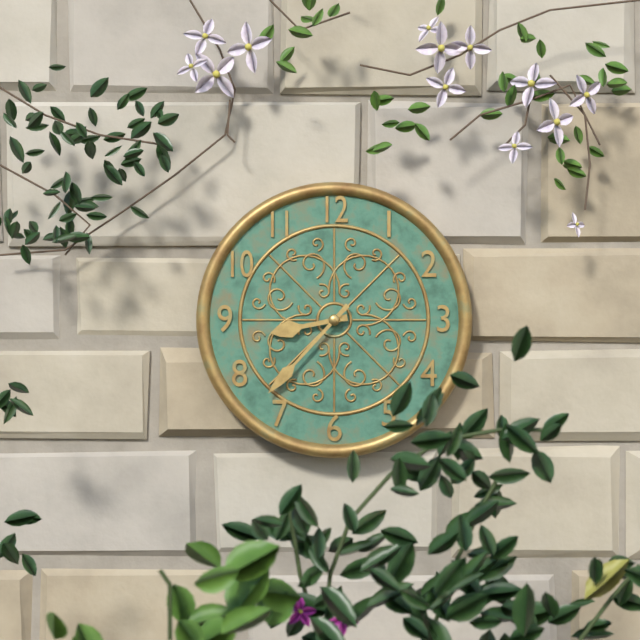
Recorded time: 8.37
